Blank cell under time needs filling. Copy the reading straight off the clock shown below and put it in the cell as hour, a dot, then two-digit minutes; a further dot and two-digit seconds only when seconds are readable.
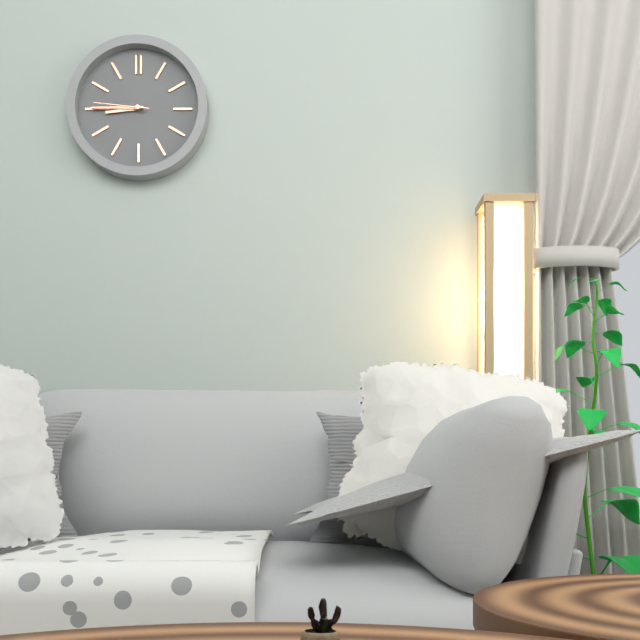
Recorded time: 8.45.46
